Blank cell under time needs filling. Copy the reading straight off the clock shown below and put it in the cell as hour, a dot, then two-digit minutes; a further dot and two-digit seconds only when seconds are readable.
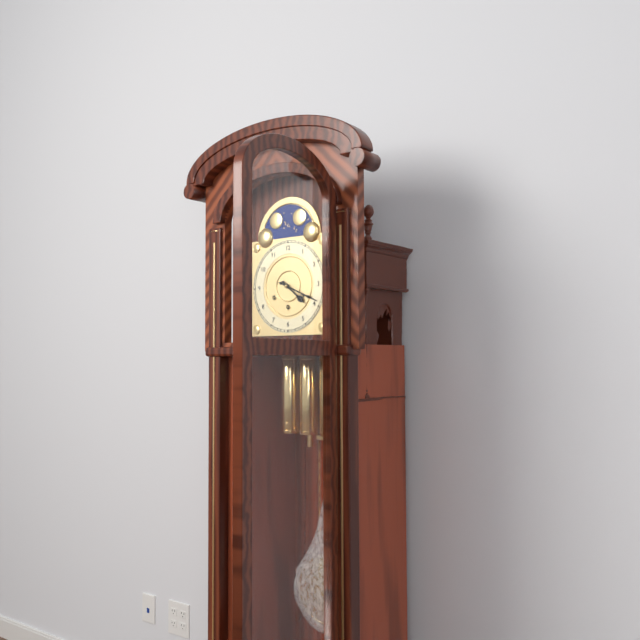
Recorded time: 4.19
